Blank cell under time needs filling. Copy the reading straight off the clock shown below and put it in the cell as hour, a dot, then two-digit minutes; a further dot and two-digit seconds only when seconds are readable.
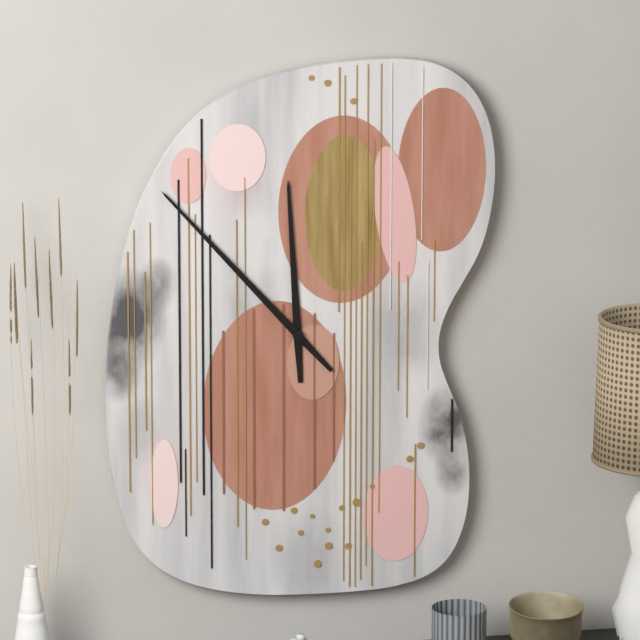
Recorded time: 11.53
